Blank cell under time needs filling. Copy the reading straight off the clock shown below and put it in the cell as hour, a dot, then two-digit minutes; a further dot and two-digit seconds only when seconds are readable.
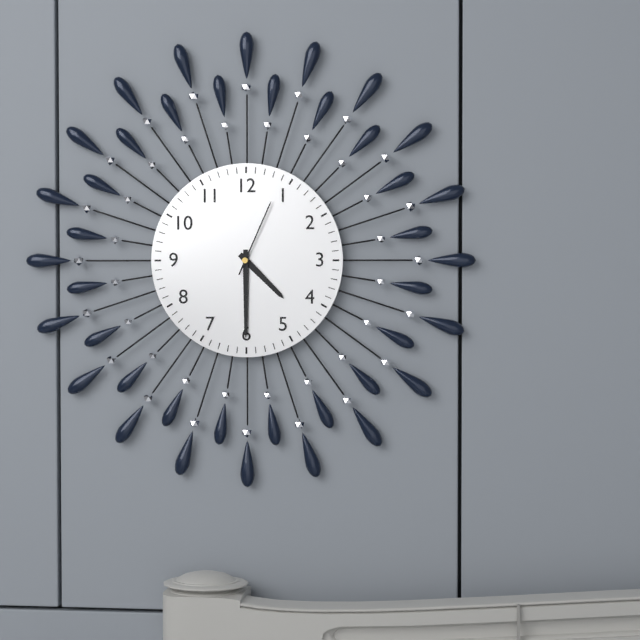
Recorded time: 4.30.04
